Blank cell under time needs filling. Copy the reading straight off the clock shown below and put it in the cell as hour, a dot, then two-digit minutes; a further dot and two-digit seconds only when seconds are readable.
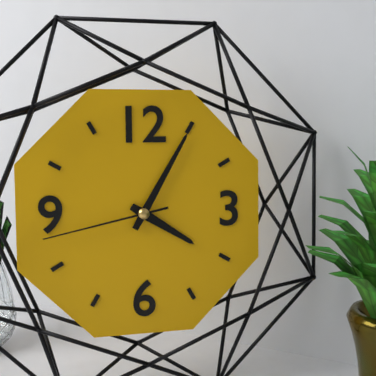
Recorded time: 4.05.43
